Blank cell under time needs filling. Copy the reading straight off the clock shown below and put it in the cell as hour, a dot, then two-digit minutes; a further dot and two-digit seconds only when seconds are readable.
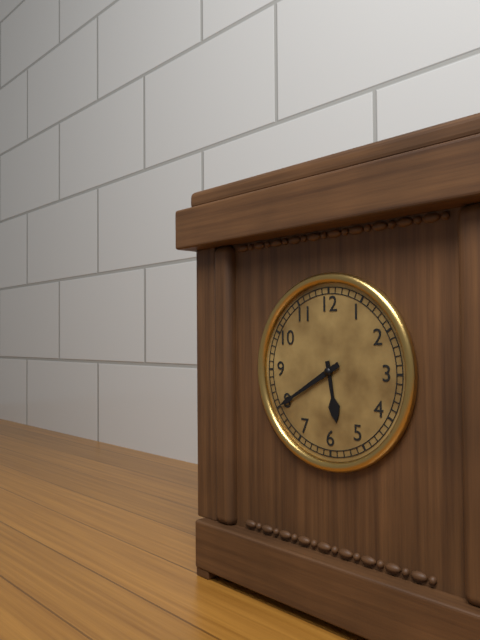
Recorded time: 5.40
